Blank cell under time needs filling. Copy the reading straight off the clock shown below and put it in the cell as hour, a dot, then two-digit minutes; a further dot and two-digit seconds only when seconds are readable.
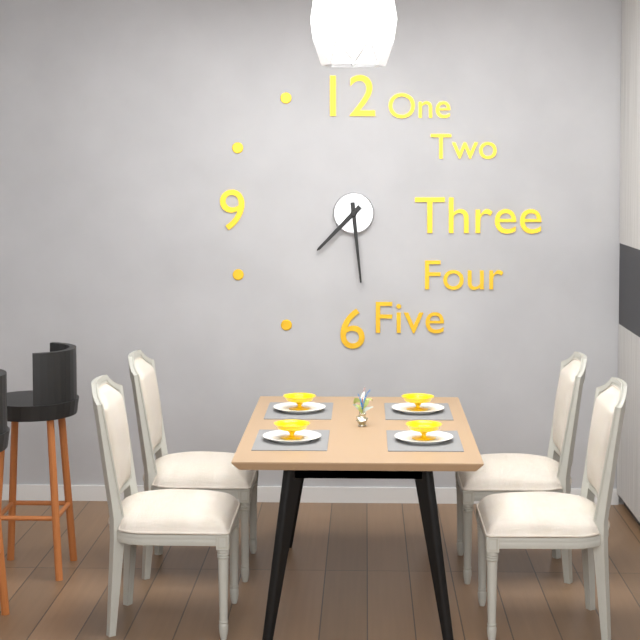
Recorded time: 7.29
